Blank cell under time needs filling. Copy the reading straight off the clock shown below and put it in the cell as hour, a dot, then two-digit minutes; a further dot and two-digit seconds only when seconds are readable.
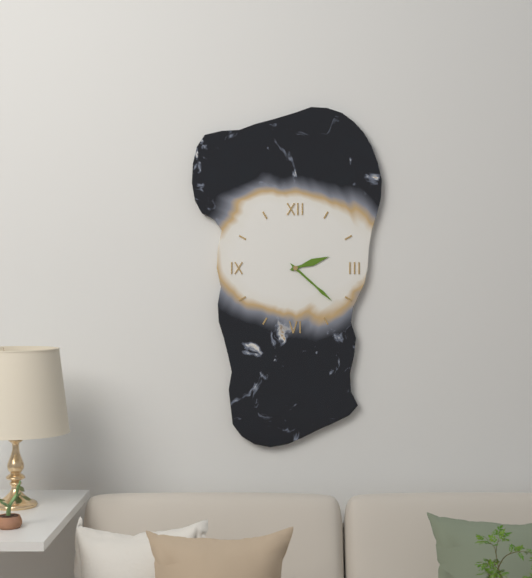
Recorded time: 2.22
